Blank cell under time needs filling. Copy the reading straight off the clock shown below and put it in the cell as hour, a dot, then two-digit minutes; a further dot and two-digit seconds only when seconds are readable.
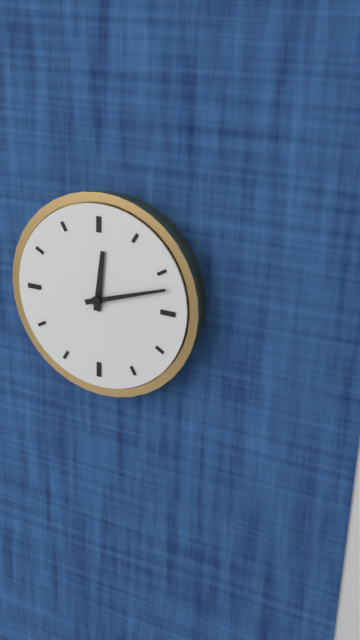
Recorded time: 12.12
